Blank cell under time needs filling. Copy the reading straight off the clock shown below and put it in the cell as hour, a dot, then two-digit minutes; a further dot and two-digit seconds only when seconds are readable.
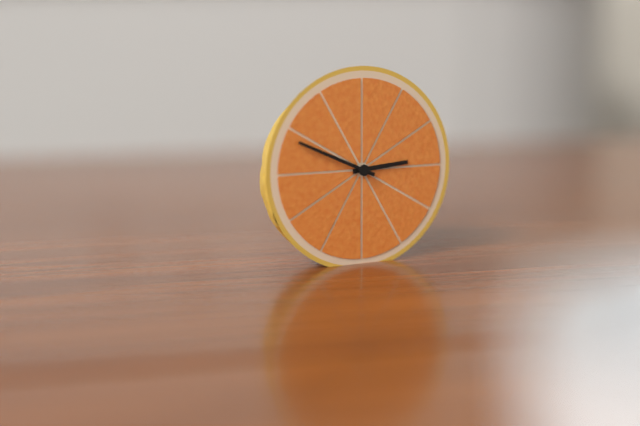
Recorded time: 2.49
